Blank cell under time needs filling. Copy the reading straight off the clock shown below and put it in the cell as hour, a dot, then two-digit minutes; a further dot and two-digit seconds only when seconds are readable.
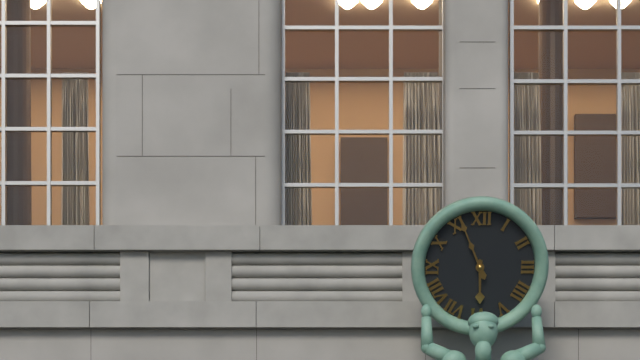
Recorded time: 5.56
